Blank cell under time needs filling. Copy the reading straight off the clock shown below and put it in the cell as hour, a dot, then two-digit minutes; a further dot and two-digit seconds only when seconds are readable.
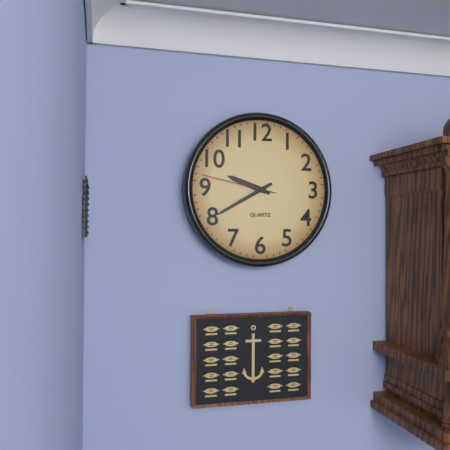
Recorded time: 9.40.47
